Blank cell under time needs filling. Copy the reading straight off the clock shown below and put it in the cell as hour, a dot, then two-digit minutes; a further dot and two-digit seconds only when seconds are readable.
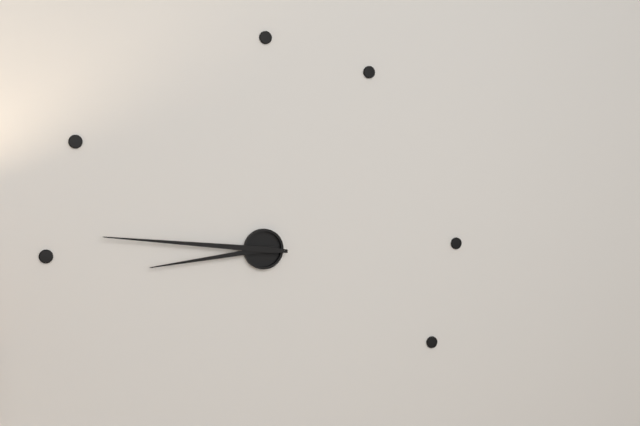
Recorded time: 8.46
